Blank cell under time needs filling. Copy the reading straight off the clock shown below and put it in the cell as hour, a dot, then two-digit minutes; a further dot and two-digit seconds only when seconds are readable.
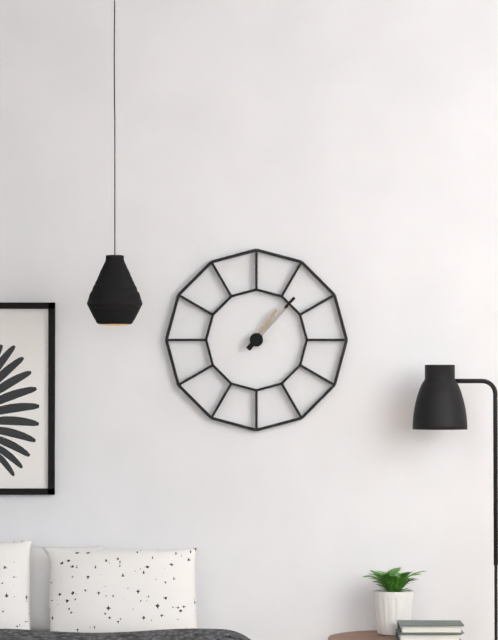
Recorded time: 1.07
